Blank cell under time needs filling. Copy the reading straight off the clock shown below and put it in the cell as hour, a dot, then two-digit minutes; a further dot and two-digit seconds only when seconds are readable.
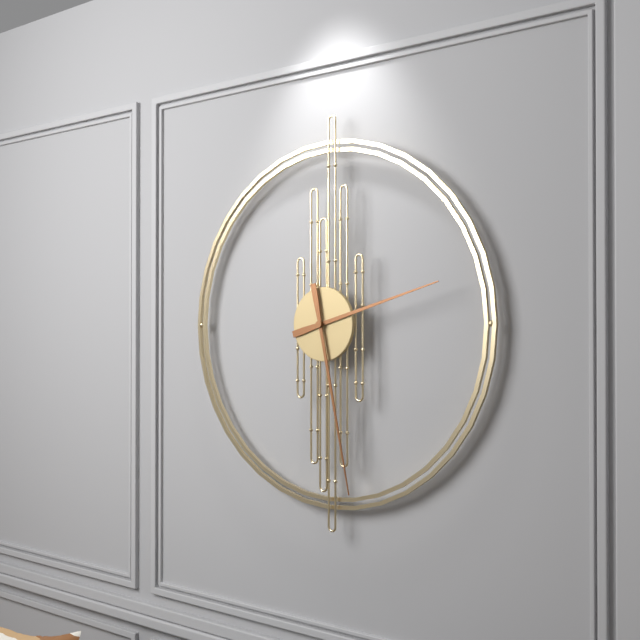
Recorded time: 2.28
